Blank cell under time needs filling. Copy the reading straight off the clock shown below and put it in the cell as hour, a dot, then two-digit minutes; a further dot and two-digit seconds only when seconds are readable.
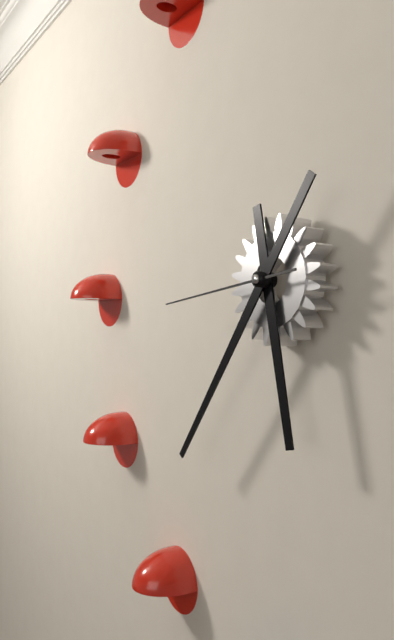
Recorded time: 5.36.44
